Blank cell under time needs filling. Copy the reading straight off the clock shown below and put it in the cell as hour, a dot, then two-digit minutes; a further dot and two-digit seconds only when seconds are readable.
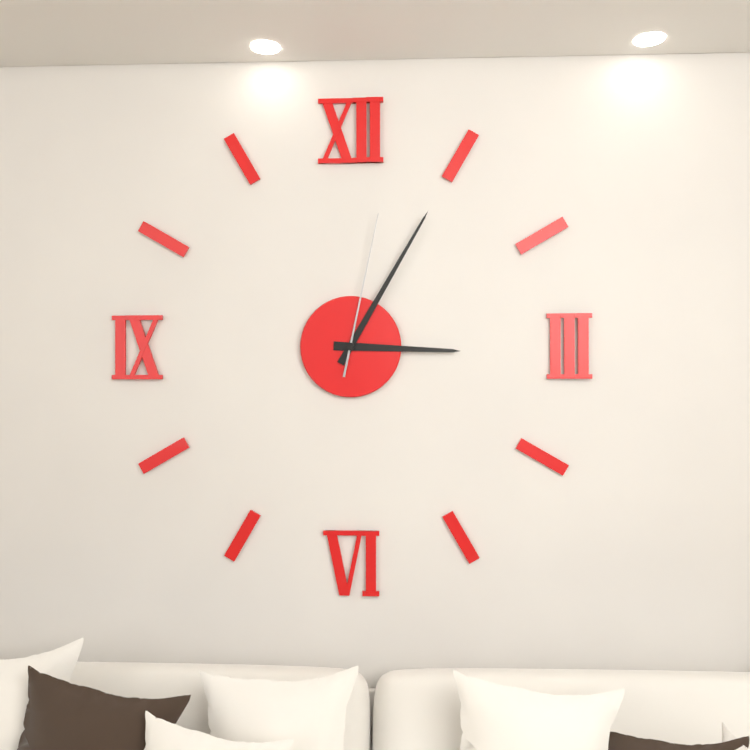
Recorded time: 3.05.02
